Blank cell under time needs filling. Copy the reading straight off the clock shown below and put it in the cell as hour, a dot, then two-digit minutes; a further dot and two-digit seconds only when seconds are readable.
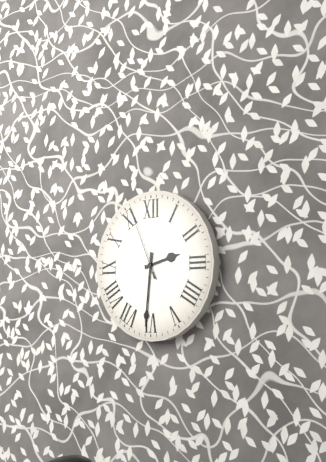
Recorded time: 2.31.56
